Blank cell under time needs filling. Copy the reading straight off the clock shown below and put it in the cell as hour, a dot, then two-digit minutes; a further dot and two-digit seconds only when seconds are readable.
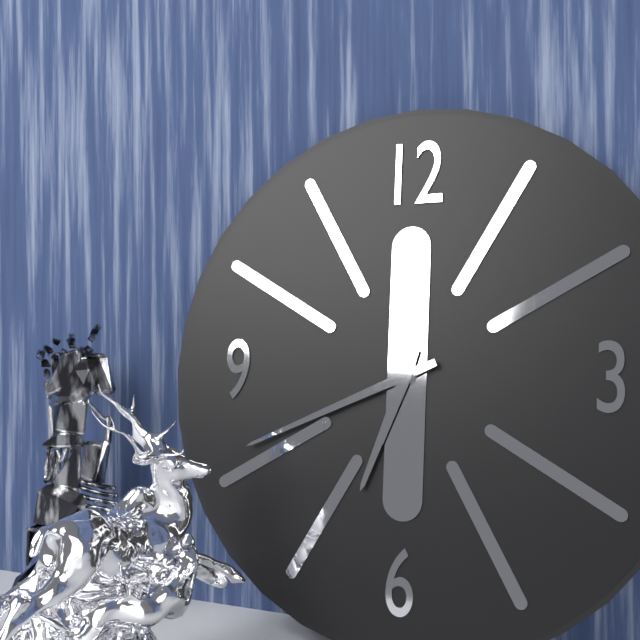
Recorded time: 6.41
